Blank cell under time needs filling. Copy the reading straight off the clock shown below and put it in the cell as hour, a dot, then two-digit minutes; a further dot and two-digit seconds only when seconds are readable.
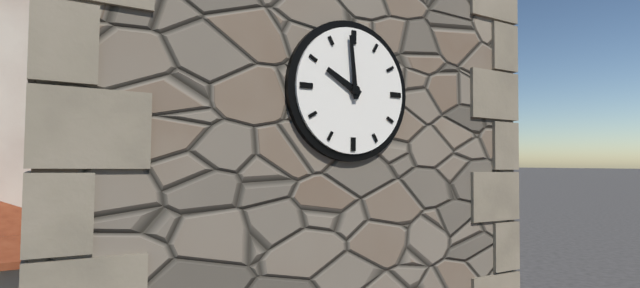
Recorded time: 9.59
